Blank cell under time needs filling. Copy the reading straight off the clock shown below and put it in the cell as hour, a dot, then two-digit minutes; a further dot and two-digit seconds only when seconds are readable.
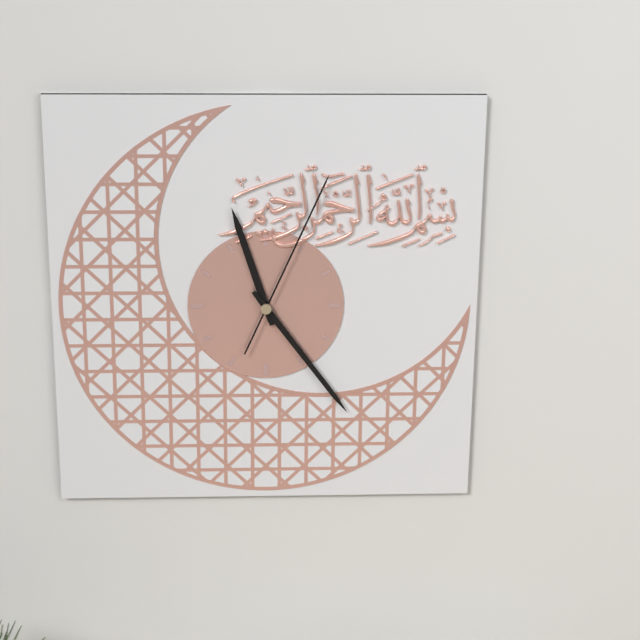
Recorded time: 11.24.04
